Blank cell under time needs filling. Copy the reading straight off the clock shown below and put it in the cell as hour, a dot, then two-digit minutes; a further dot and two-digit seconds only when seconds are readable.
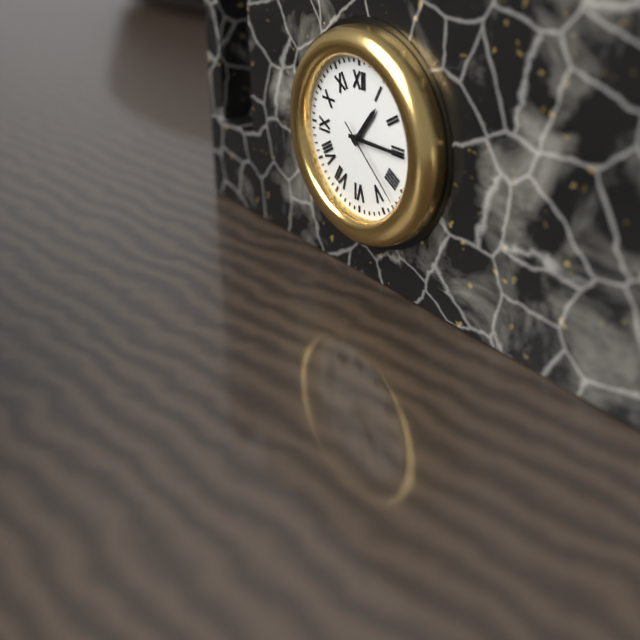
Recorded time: 1.15.22
